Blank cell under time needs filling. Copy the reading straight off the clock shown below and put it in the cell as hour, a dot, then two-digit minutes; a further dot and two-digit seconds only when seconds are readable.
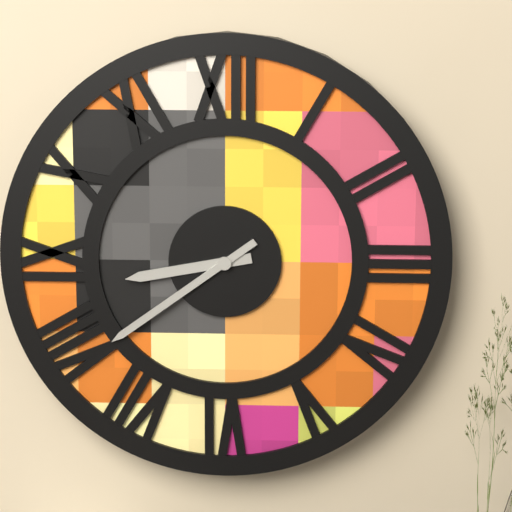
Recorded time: 8.39
